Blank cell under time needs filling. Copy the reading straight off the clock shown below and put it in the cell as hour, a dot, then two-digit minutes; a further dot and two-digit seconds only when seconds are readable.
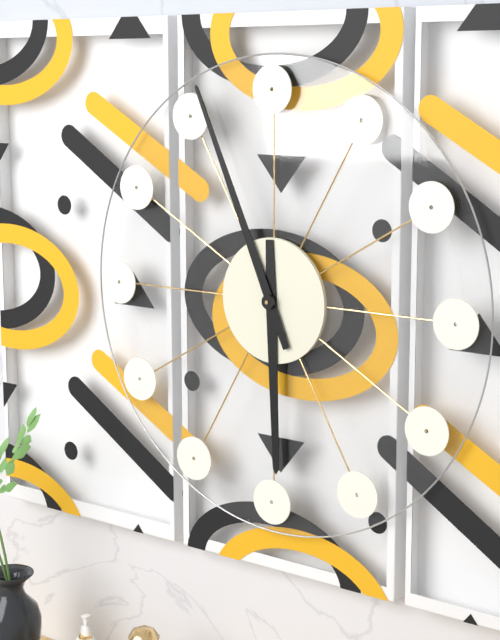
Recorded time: 5.56
